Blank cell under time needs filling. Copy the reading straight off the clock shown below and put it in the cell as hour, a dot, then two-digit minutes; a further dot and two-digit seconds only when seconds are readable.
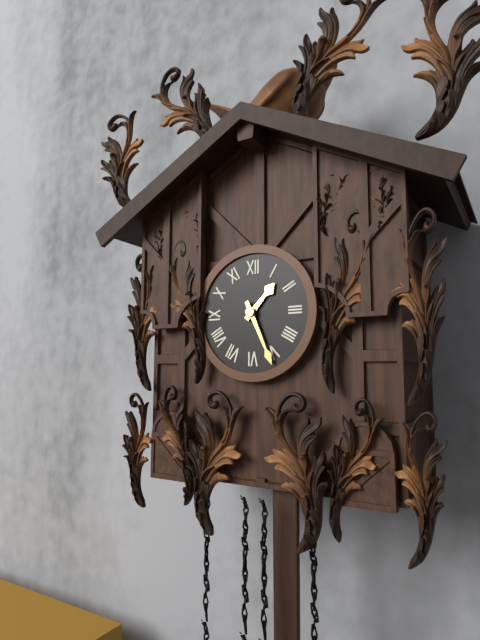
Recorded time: 1.26
